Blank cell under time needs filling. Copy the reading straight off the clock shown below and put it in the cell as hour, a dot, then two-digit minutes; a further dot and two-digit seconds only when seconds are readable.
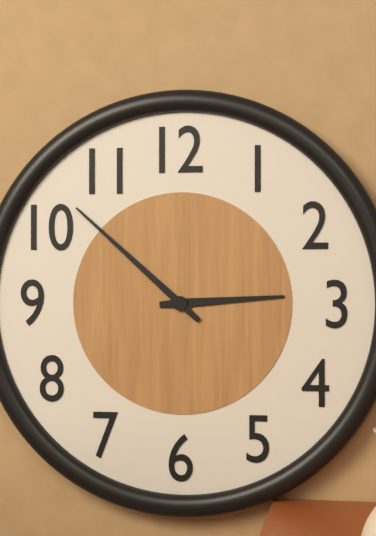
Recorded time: 2.52
